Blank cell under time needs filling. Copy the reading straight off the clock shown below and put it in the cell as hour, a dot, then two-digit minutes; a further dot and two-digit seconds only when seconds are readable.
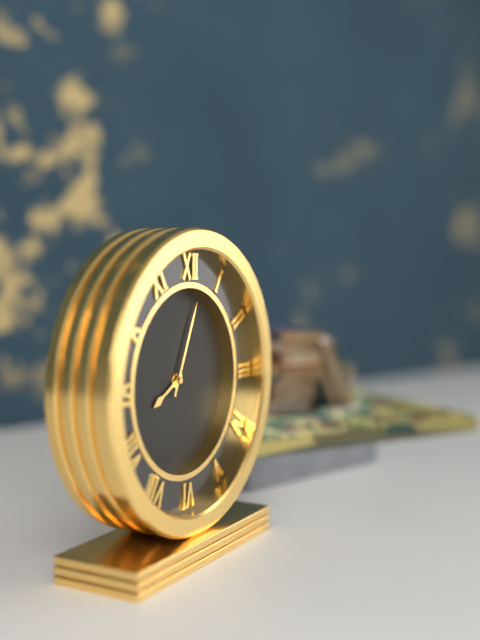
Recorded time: 8.04
